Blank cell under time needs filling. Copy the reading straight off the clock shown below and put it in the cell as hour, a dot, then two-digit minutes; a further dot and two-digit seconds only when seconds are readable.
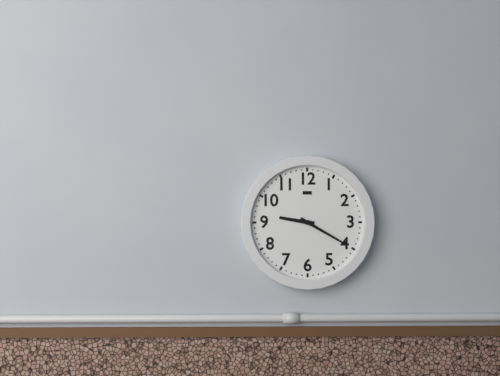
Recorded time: 9.20
